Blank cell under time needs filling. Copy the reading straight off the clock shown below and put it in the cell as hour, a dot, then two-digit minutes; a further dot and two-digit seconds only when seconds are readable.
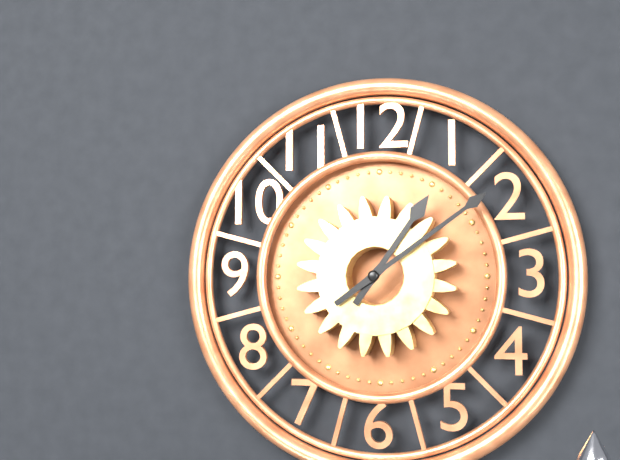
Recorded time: 1.09
